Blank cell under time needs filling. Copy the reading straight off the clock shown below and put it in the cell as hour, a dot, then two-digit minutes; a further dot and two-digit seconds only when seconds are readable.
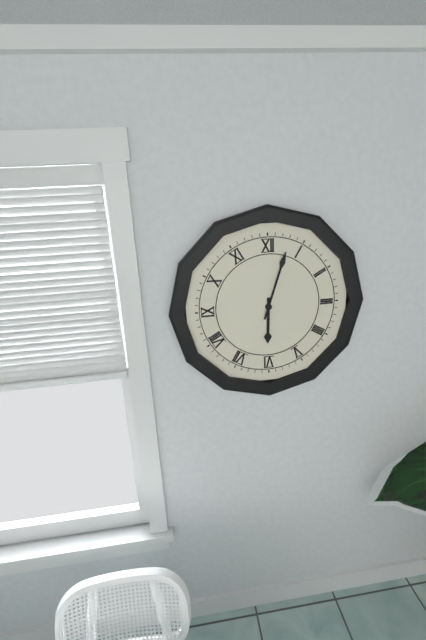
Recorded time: 6.03
